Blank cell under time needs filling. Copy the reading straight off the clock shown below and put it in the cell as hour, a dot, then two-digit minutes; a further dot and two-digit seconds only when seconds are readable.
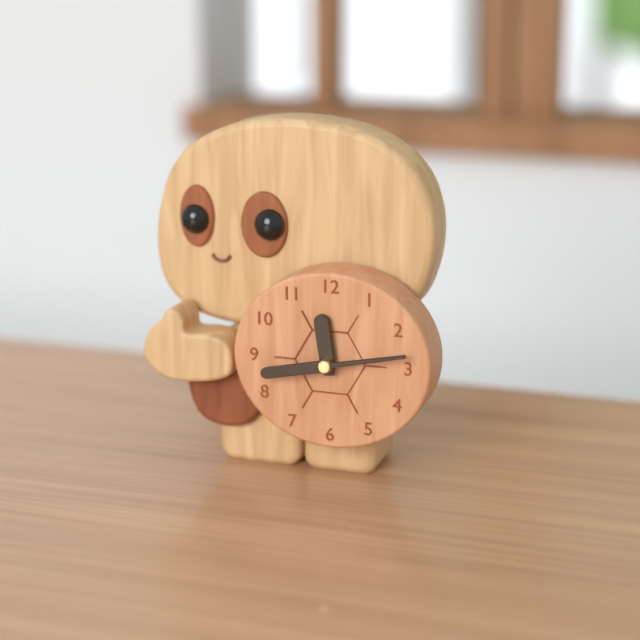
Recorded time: 11.43
